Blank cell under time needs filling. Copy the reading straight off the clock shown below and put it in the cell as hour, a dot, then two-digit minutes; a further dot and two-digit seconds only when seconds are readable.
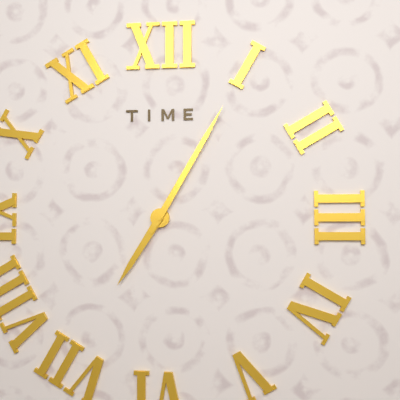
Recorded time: 7.05
